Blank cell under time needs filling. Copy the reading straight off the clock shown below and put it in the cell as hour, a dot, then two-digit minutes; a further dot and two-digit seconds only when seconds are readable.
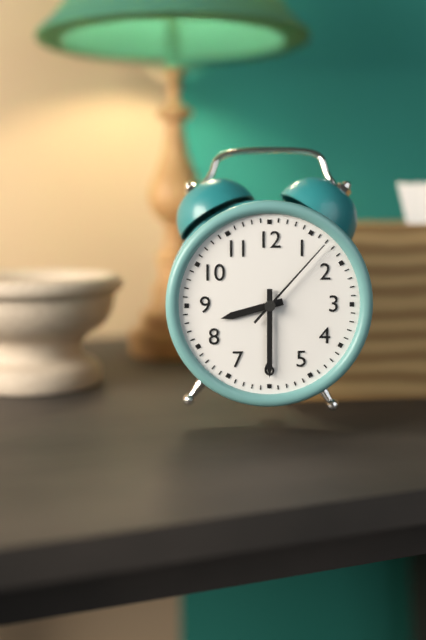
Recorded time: 8.30.07
